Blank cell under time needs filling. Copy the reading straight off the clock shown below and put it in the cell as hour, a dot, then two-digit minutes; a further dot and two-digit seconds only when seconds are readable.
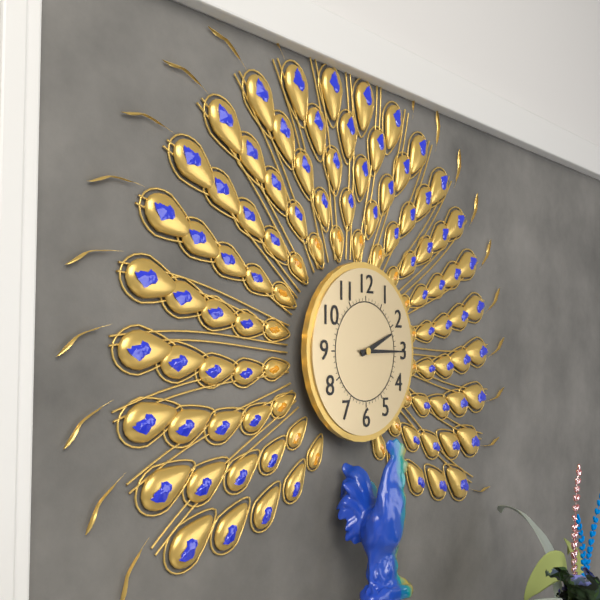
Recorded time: 2.15
